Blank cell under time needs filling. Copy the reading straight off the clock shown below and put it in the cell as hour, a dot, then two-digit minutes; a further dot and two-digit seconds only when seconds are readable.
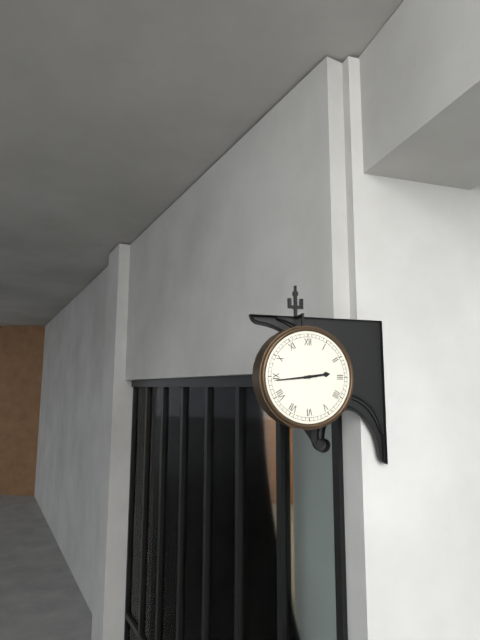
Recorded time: 2.44
